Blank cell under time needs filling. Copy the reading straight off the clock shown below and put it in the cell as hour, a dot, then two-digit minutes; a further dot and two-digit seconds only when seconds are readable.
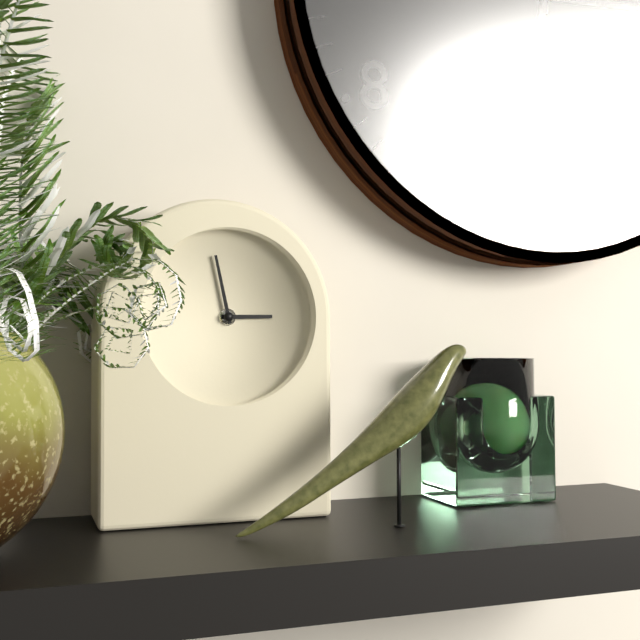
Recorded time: 2.58
